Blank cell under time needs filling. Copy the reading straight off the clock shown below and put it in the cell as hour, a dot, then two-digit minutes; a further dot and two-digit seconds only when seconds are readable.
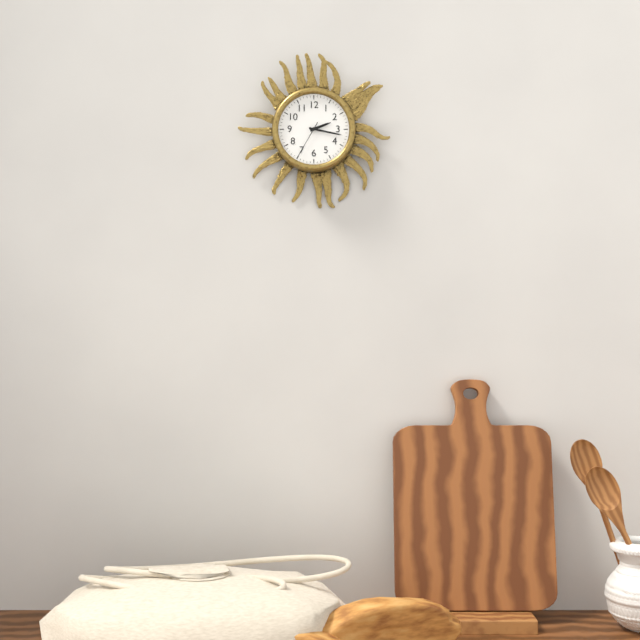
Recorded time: 2.17
